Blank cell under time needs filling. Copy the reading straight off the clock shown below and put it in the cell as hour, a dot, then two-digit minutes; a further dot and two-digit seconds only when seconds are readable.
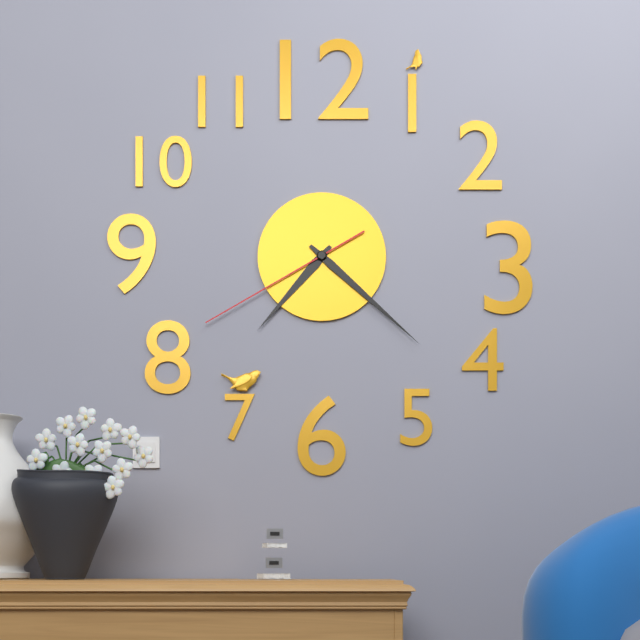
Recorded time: 7.22.40
